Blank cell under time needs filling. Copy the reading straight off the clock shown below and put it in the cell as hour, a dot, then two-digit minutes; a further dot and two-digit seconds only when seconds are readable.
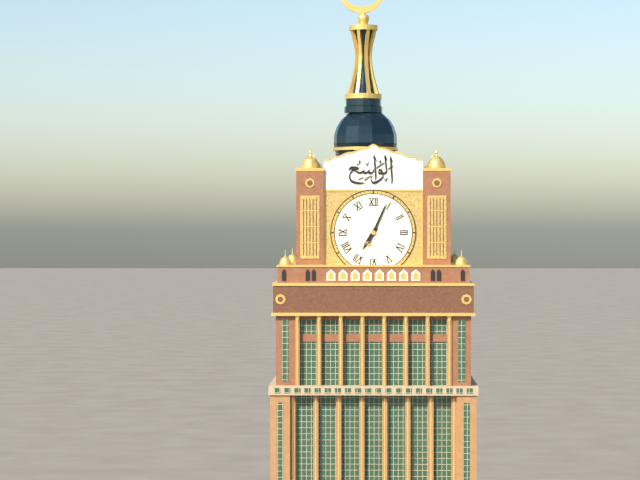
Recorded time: 7.04
